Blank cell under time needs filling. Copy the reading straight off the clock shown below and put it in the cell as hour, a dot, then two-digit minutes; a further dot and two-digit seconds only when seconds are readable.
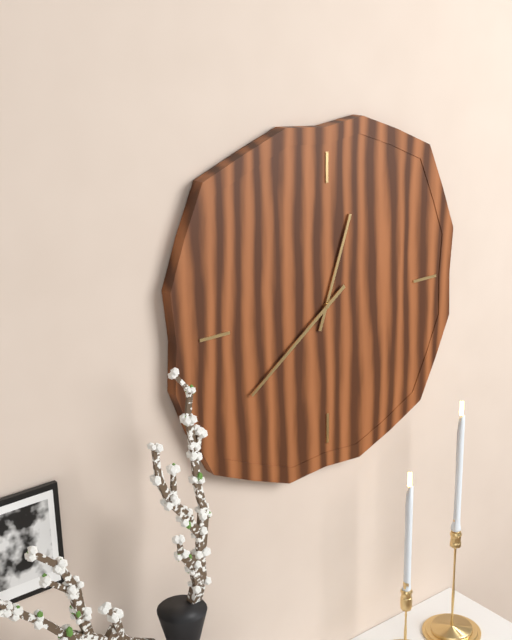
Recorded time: 12.39
